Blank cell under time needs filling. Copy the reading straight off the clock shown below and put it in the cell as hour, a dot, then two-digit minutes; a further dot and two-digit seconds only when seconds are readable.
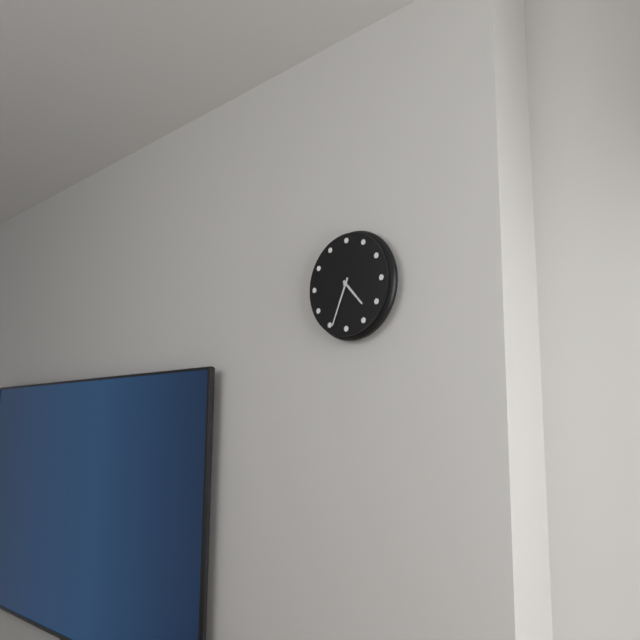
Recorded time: 4.34
